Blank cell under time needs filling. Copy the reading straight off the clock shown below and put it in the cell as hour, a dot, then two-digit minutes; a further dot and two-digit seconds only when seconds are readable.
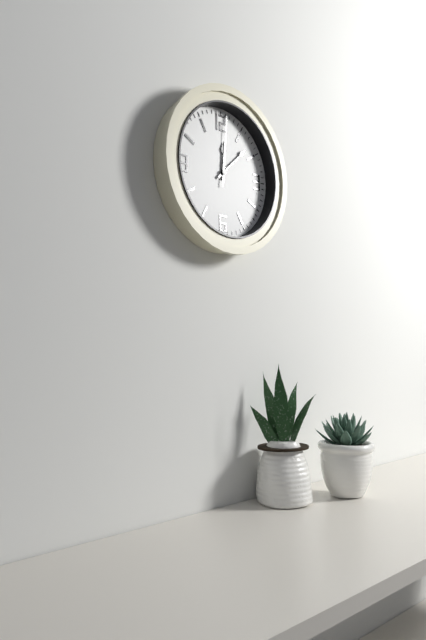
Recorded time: 12.08.01
